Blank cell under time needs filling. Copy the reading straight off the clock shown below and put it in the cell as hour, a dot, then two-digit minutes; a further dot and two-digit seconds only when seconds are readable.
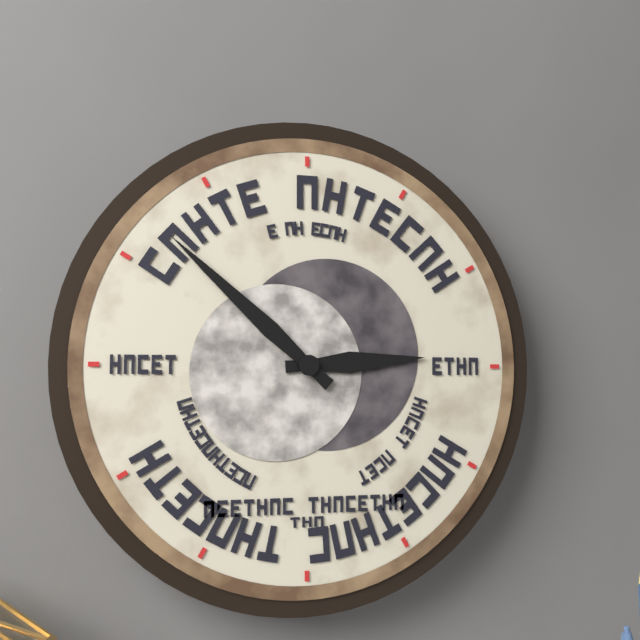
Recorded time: 2.52
